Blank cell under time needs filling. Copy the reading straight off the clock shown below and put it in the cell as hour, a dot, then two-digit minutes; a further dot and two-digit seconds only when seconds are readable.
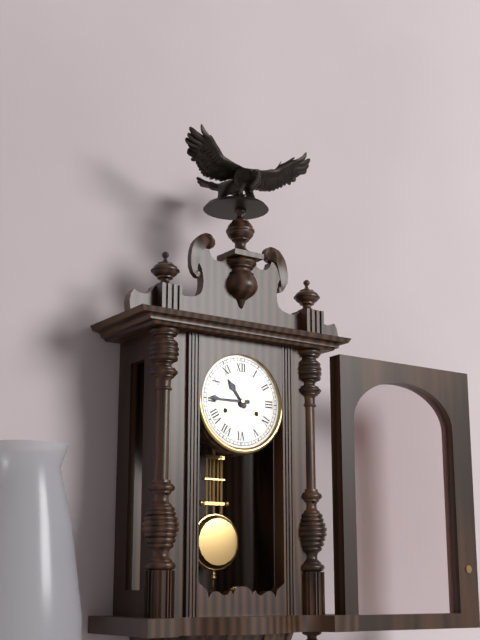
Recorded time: 10.45
